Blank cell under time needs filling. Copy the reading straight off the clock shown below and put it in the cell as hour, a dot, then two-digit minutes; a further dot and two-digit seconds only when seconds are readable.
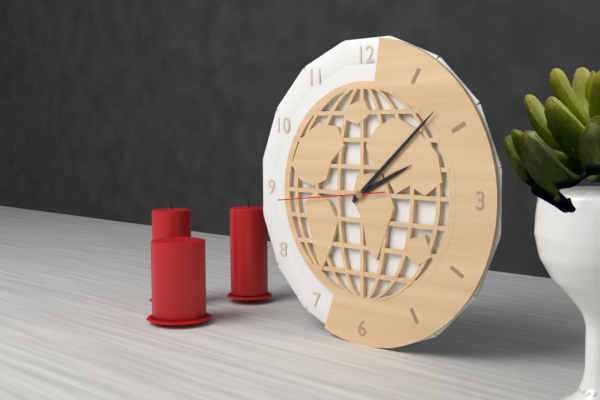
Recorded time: 2.08.44
